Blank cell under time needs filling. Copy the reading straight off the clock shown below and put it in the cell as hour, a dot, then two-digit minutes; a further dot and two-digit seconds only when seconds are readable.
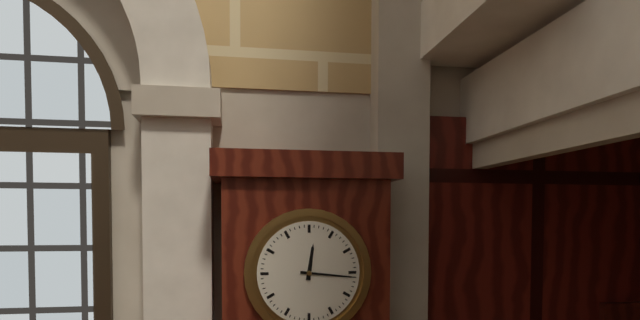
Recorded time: 12.16
